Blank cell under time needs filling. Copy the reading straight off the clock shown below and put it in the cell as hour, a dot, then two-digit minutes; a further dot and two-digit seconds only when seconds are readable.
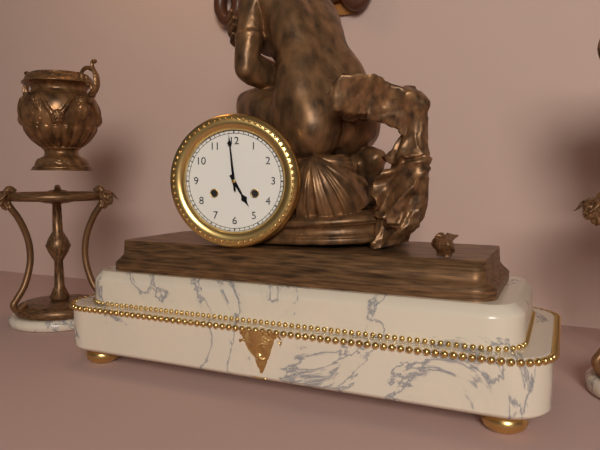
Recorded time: 4.59
